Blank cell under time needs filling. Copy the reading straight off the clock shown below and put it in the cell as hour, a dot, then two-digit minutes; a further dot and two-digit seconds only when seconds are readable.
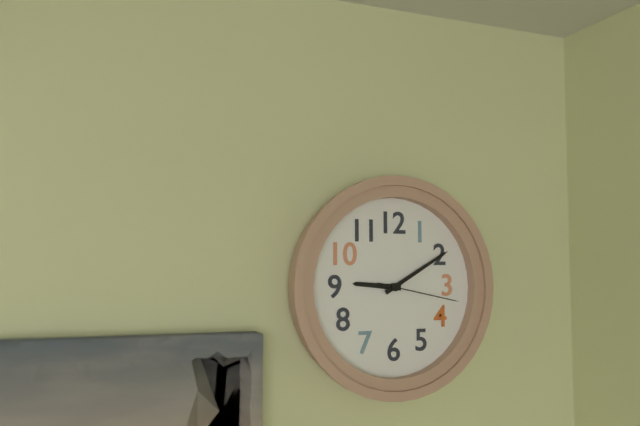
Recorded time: 9.10.17
